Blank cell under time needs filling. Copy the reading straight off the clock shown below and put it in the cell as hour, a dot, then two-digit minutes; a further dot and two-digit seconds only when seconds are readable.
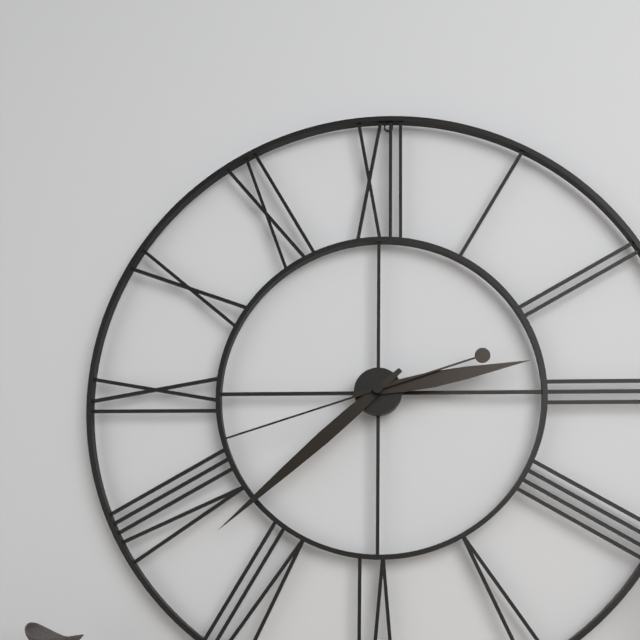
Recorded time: 2.38.42
